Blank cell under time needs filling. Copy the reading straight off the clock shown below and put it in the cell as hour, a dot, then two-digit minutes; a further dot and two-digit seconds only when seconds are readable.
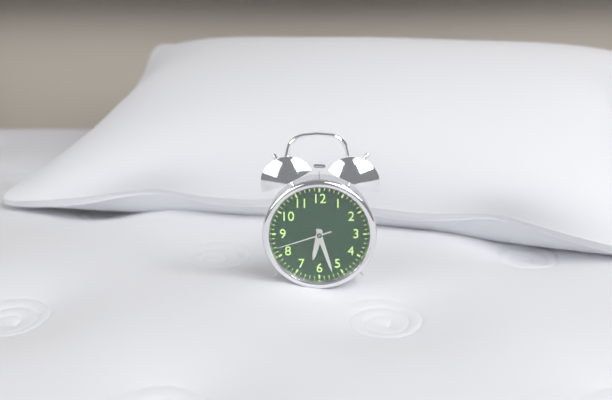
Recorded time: 6.27.42
